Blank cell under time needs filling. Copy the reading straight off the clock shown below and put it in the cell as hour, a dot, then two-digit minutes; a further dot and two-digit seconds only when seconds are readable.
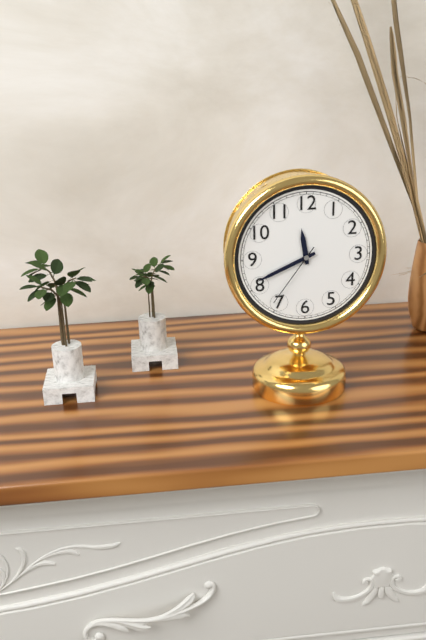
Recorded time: 11.41.36
